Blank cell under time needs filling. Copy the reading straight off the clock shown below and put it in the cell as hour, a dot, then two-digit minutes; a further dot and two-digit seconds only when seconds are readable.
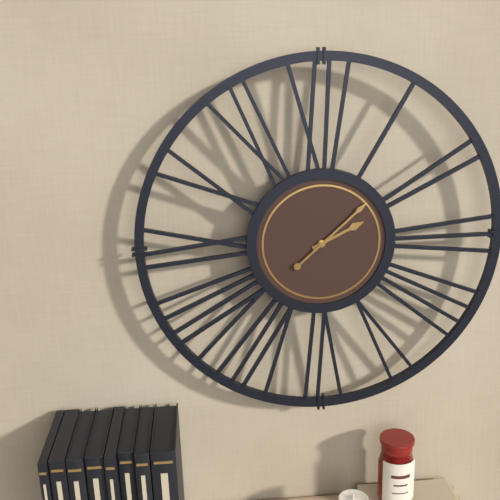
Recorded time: 2.08
